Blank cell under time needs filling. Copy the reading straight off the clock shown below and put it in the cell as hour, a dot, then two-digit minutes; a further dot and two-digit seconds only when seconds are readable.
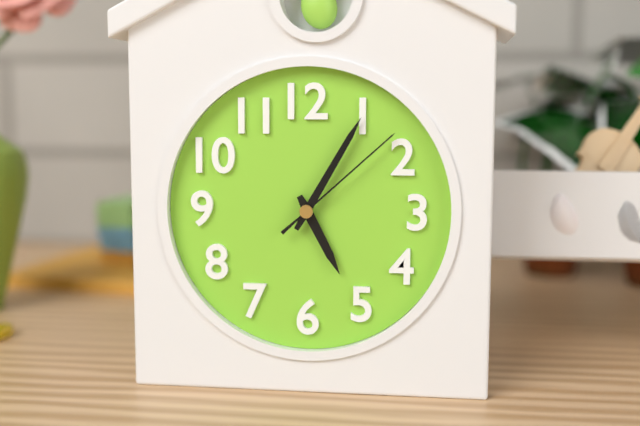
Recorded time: 5.05.08
